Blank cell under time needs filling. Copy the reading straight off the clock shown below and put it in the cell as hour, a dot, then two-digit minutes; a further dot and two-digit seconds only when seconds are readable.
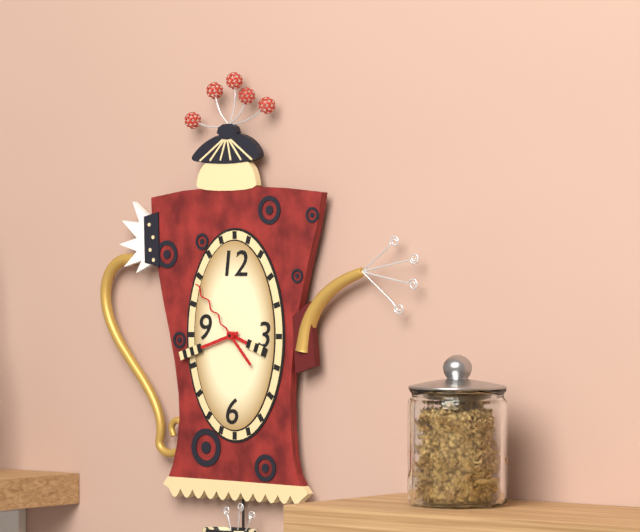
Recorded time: 3.42.53
